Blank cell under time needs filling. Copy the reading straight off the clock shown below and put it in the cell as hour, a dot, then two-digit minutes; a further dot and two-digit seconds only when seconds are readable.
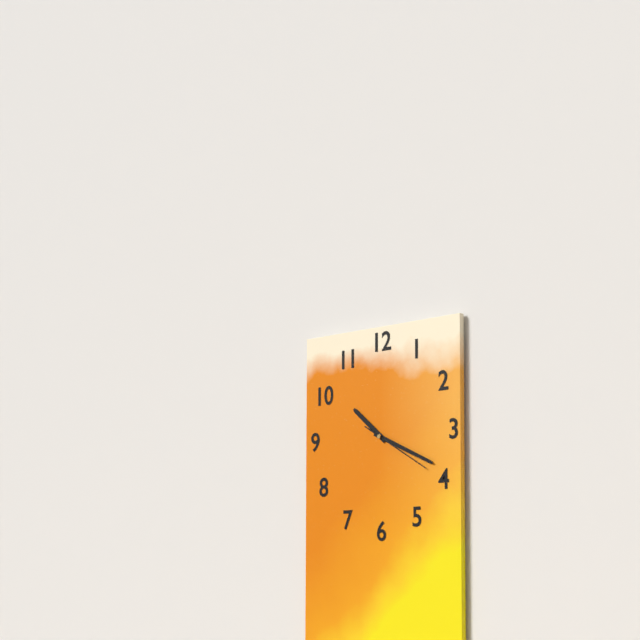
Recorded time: 10.19.20
